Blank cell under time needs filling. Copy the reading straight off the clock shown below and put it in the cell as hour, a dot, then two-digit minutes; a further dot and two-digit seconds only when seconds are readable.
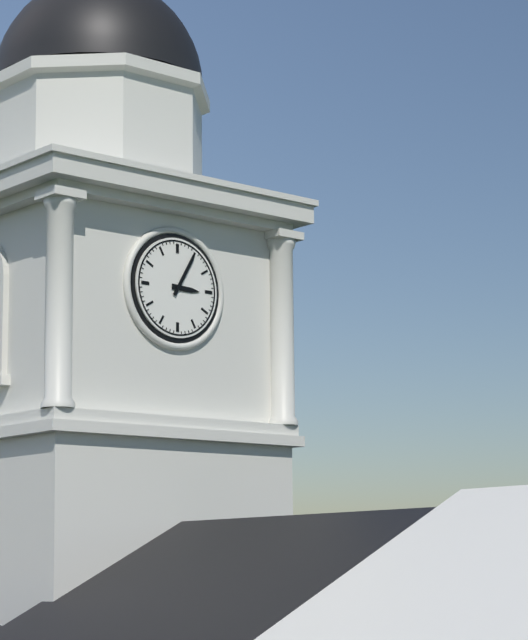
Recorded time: 3.05
